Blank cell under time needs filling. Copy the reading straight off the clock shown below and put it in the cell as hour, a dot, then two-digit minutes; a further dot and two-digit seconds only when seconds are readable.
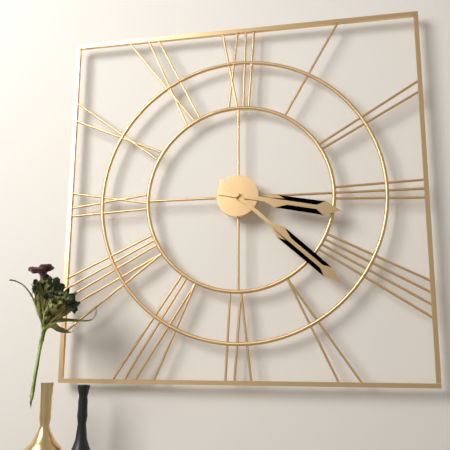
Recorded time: 3.22
